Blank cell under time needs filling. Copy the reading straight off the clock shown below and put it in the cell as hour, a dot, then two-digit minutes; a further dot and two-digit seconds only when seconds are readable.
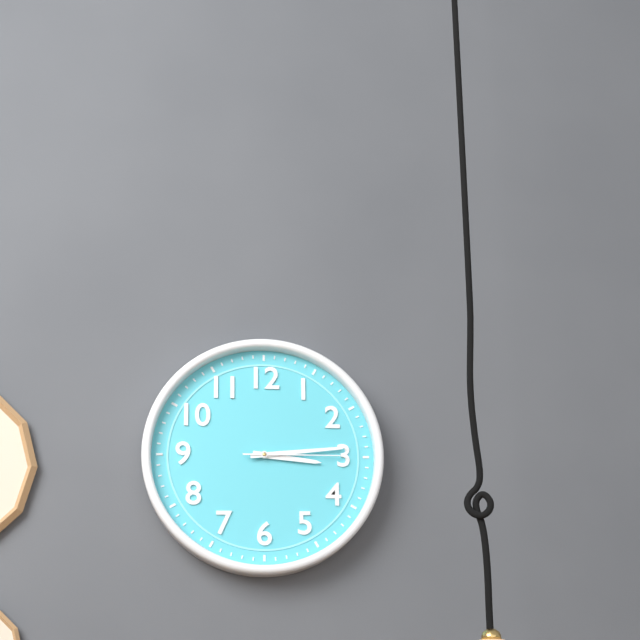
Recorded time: 3.14.15
